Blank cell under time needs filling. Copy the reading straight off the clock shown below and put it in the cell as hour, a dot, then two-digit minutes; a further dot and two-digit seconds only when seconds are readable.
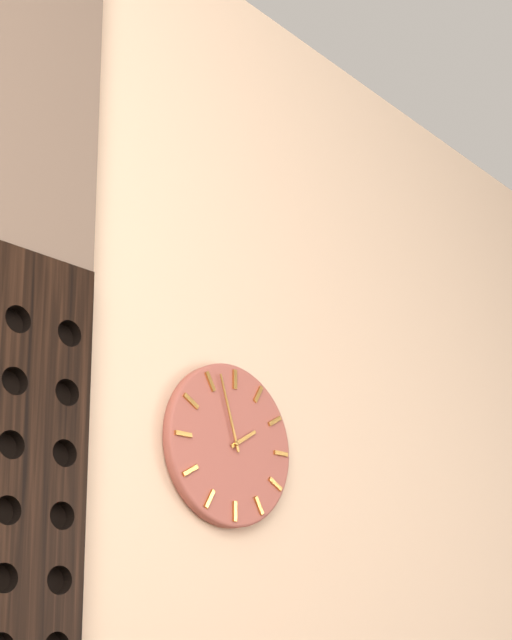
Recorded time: 1.57
